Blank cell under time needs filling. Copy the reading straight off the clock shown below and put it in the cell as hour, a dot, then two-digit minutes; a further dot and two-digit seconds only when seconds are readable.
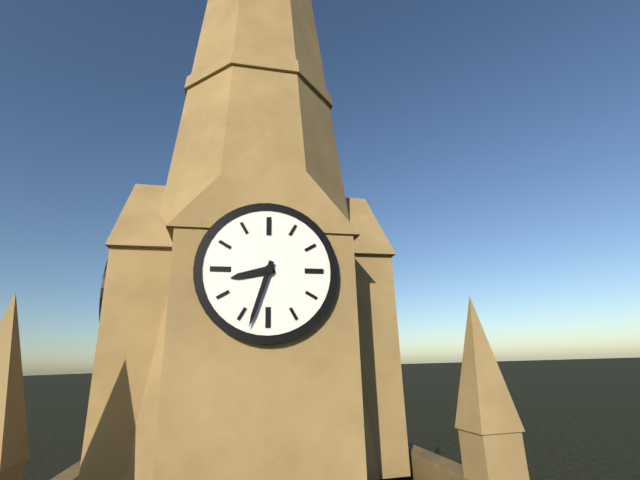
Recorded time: 8.33
